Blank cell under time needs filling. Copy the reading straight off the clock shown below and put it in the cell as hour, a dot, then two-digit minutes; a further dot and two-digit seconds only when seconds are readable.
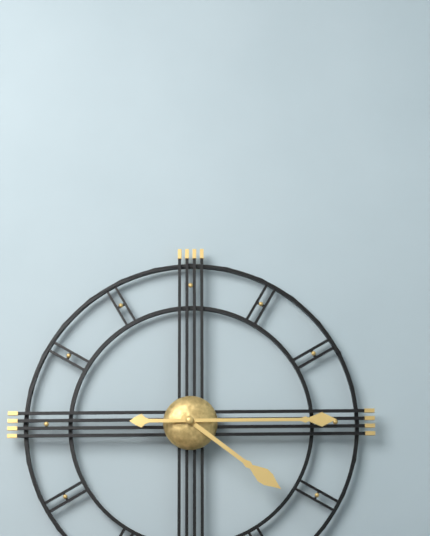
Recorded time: 4.15
